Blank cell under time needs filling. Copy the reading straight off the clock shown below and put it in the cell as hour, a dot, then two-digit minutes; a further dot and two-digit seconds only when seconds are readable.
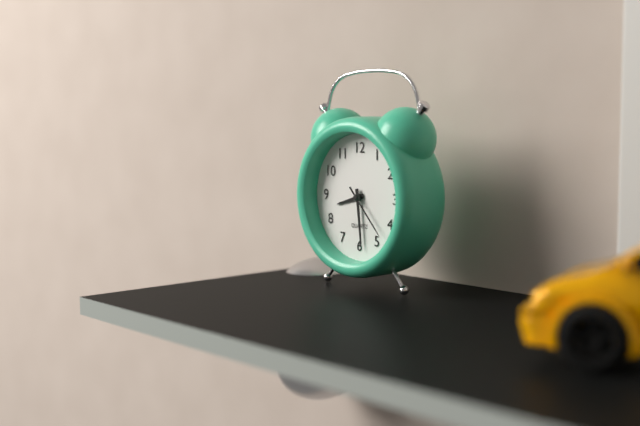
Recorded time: 8.29.23
